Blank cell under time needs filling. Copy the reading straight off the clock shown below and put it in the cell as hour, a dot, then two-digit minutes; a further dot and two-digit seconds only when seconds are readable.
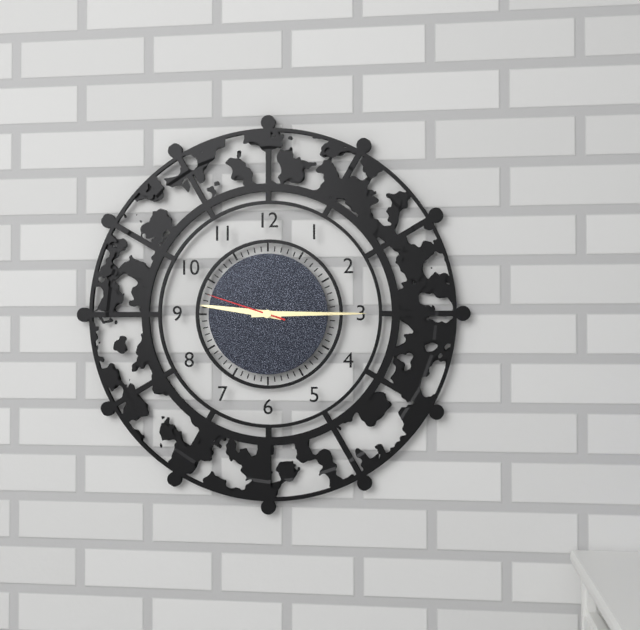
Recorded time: 9.15.48
